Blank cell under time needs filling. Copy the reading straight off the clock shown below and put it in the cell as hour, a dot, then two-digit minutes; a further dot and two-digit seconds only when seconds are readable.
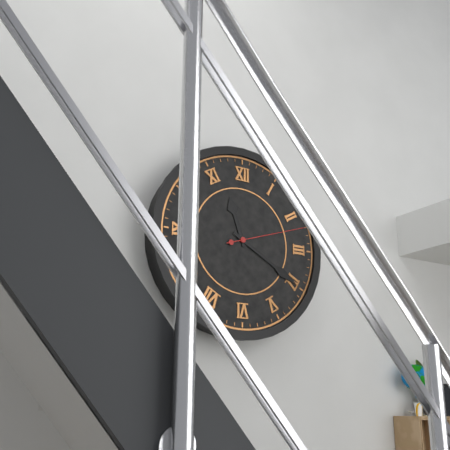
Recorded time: 11.20.12
